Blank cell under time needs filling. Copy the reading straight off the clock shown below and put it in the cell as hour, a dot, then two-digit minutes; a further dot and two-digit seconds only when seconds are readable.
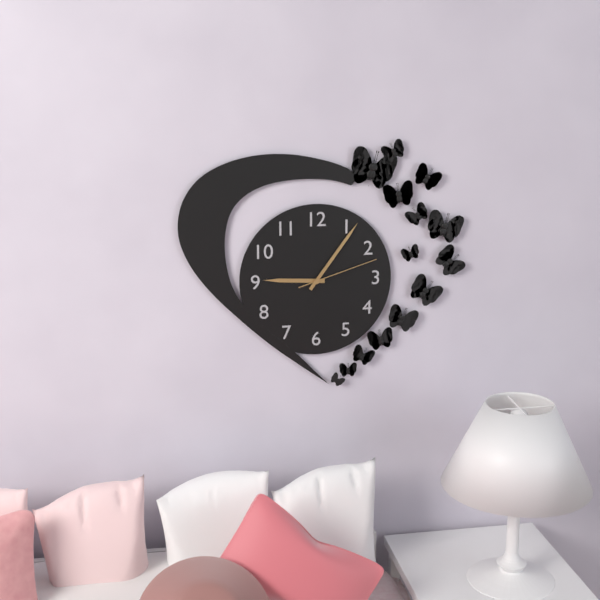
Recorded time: 9.06.12
